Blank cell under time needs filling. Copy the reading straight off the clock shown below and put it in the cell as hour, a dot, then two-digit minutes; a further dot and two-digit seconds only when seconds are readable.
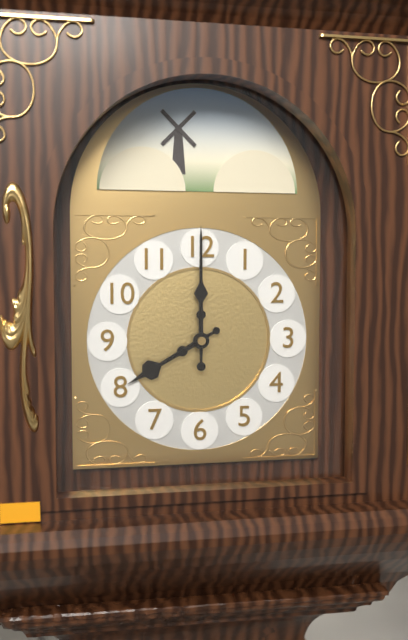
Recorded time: 8.00
